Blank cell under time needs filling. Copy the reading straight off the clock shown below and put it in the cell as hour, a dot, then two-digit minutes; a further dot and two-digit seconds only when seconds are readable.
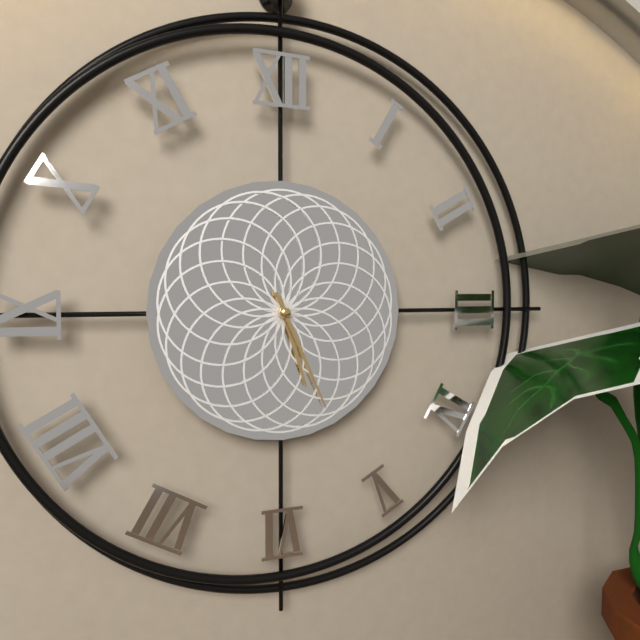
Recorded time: 5.26
